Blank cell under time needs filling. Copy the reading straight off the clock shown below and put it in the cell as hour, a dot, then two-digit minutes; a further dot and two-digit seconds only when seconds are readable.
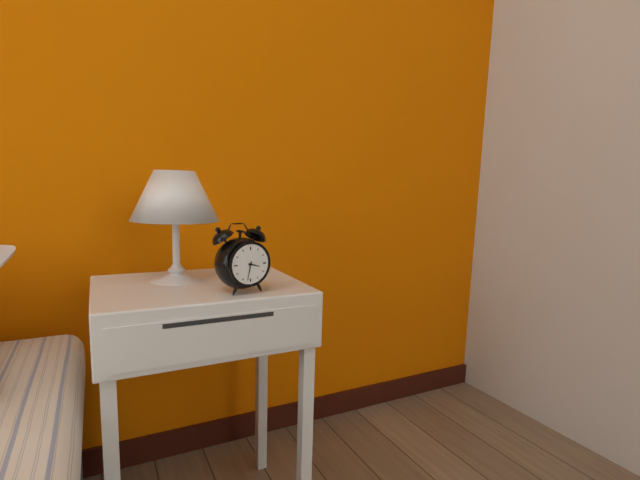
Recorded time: 3.32
